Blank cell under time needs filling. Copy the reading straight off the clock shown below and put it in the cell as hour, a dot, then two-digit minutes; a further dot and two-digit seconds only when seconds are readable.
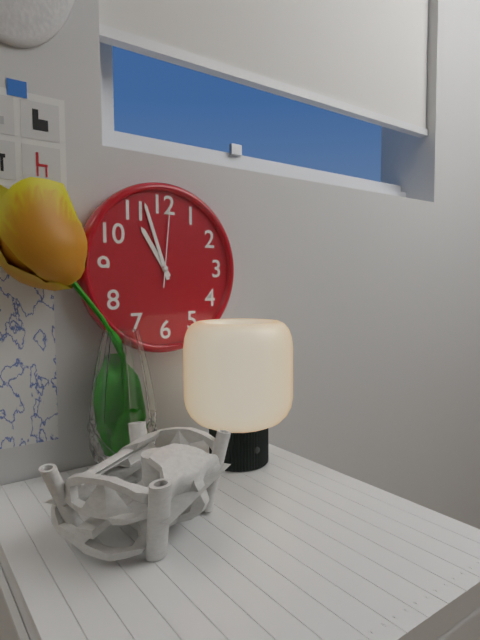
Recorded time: 10.57.01
